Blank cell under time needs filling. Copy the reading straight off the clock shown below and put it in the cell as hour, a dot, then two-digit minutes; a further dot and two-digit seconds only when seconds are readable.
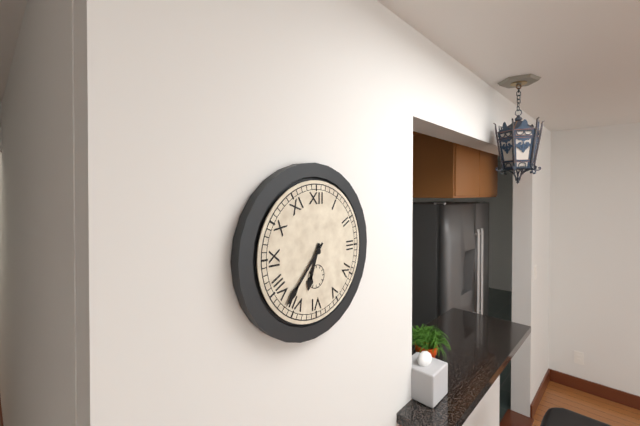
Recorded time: 6.37
